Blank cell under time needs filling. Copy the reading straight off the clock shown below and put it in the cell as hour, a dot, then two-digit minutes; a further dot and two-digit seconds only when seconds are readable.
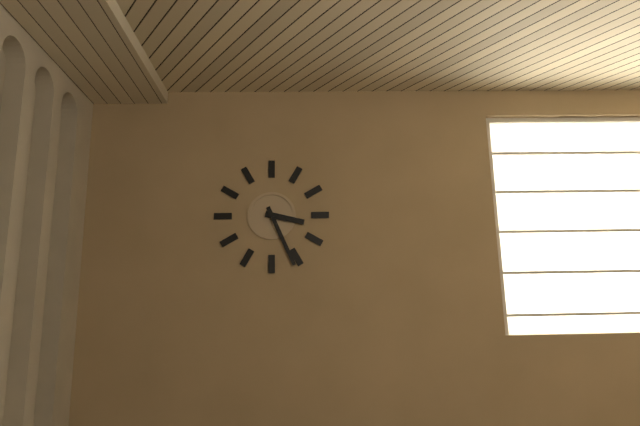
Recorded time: 3.26
